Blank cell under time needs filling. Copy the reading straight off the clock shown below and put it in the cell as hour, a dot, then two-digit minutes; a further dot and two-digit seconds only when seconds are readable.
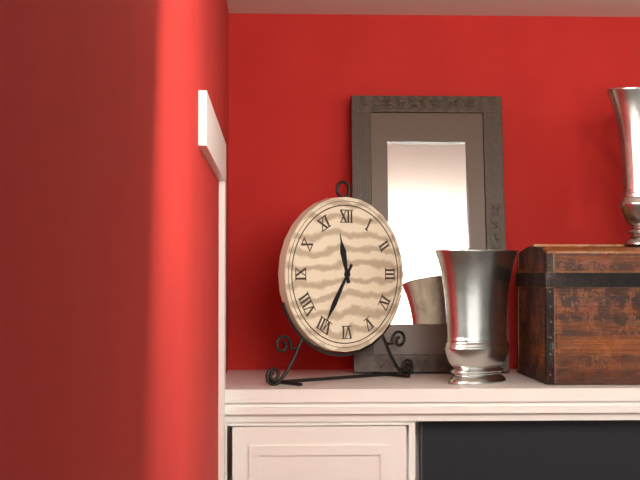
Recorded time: 11.35
